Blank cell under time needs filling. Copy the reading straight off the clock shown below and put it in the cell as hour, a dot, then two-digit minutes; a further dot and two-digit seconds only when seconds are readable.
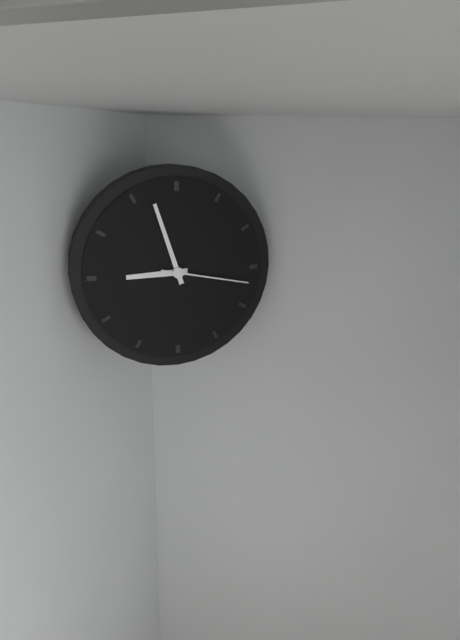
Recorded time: 8.57.17
